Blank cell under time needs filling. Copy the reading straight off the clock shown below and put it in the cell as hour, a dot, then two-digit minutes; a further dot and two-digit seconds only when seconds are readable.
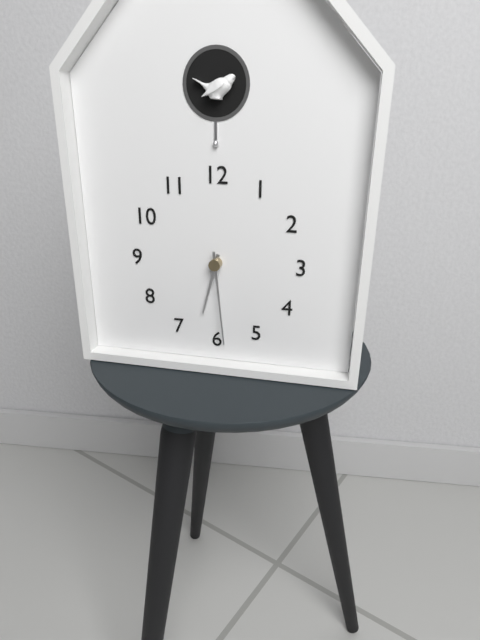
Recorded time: 6.29
